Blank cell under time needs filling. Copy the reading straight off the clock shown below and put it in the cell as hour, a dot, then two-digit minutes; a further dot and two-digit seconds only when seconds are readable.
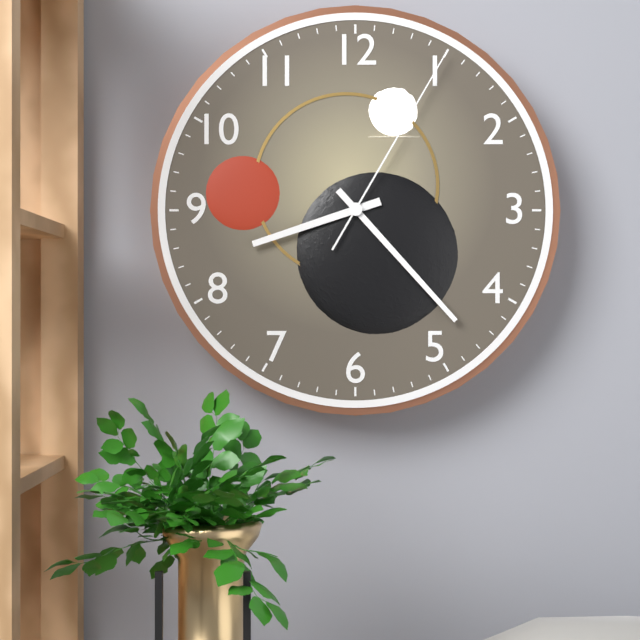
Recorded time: 8.23.05
